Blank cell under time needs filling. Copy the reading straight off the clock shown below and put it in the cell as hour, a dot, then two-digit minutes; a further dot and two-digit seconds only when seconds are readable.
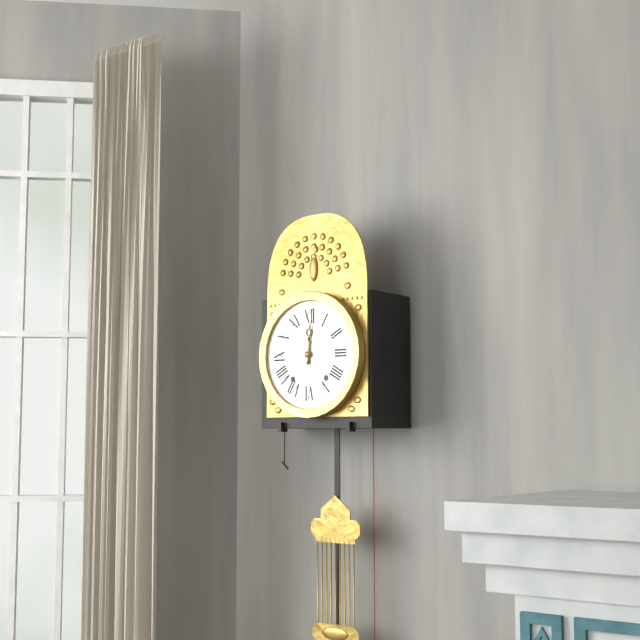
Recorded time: 12.01
